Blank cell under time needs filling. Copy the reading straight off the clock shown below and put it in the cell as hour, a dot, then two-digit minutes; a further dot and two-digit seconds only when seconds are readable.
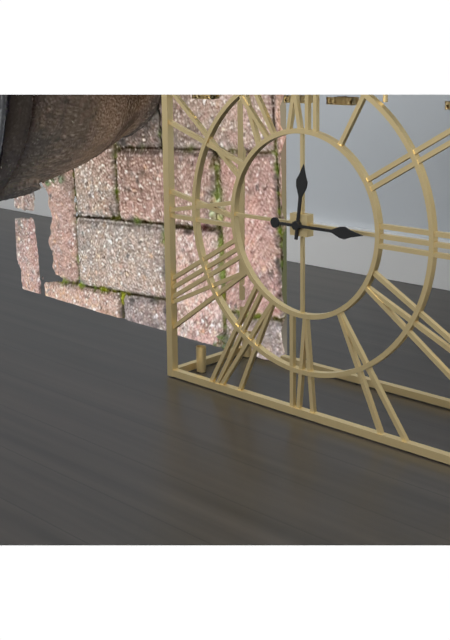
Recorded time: 12.15
